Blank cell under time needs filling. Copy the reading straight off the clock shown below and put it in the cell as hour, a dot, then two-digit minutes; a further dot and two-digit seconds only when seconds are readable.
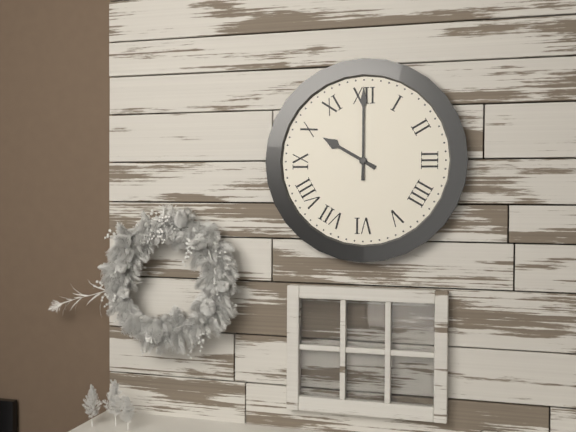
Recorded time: 10.00
